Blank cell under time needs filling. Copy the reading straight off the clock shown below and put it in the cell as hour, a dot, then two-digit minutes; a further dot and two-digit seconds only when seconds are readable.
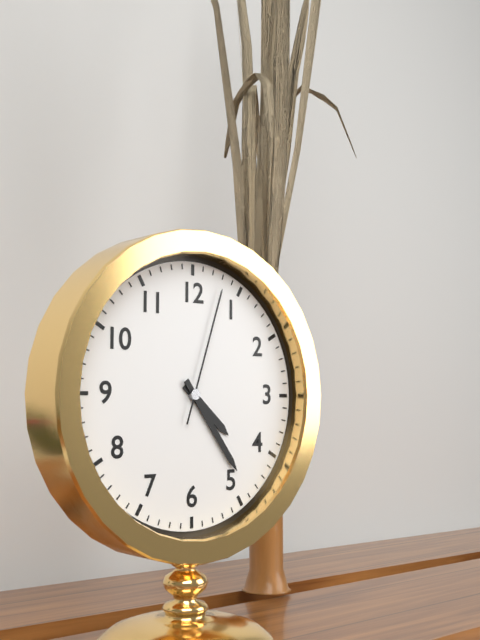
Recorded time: 4.24.03
